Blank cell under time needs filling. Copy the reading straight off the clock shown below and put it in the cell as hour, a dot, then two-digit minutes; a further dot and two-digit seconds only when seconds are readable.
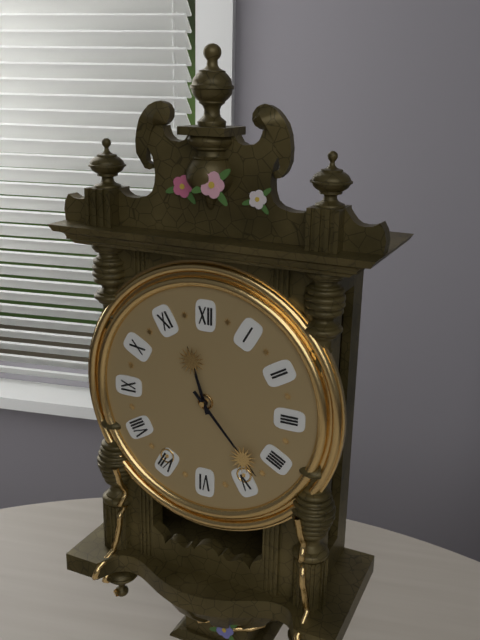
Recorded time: 11.23
